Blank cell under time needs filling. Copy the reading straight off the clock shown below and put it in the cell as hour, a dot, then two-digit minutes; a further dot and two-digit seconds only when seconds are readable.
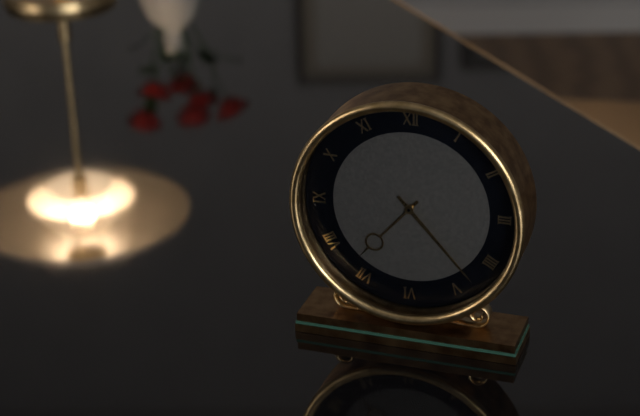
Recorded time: 7.23
